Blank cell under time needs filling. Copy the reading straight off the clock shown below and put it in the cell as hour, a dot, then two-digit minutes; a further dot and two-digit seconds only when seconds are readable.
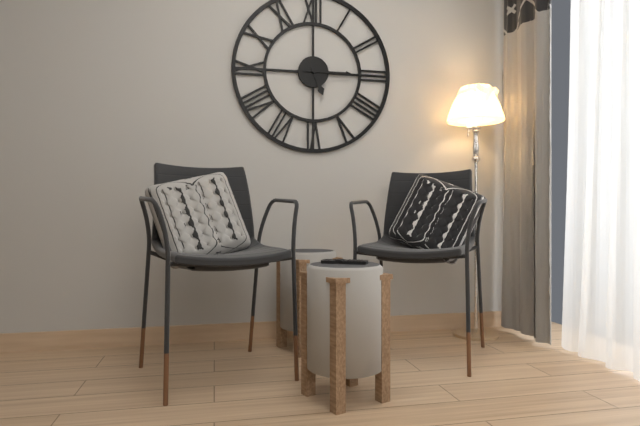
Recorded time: 5.15
